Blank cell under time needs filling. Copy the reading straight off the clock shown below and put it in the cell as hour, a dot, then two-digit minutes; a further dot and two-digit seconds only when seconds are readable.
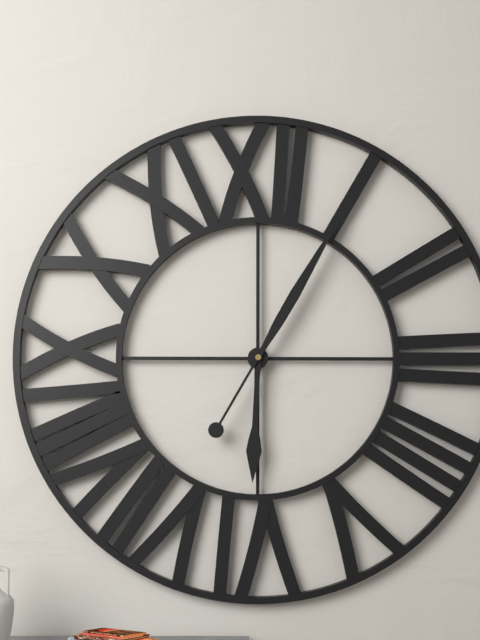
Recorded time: 6.05
